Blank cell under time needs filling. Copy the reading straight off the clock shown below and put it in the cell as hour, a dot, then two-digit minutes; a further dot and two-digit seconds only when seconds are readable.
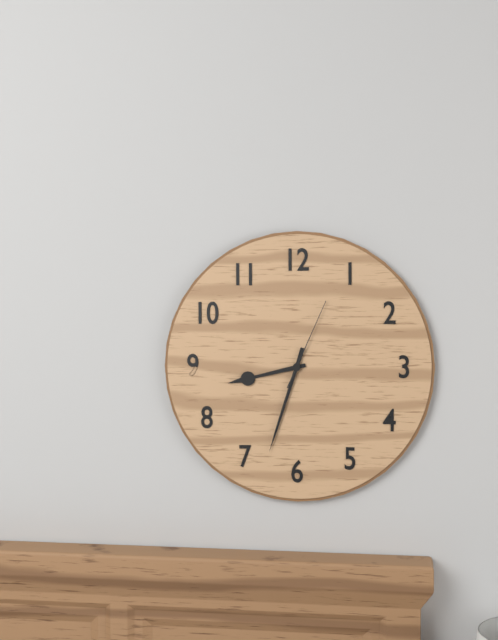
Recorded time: 8.33.04
